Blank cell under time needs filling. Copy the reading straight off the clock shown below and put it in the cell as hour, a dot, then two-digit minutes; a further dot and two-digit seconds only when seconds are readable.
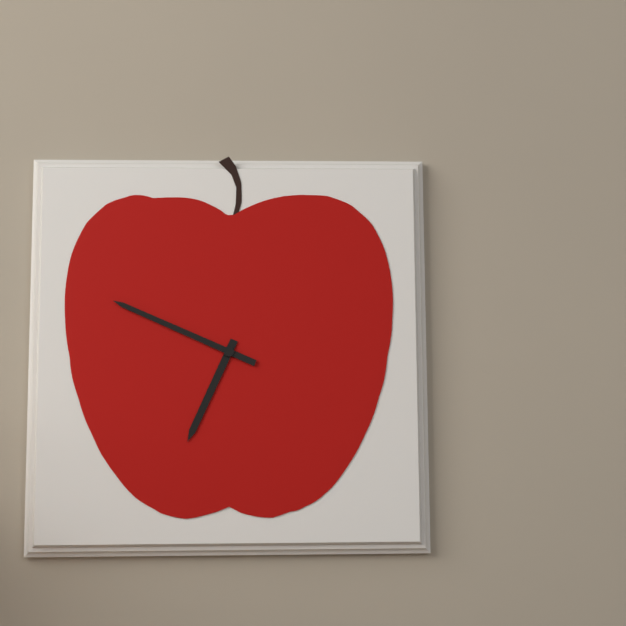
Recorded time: 6.49
